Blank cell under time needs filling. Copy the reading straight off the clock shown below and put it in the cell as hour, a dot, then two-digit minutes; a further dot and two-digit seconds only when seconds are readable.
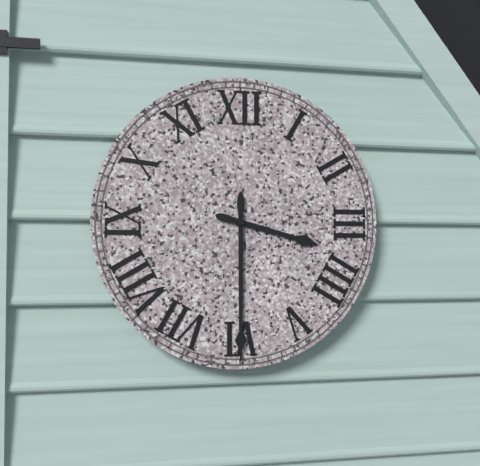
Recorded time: 3.30
